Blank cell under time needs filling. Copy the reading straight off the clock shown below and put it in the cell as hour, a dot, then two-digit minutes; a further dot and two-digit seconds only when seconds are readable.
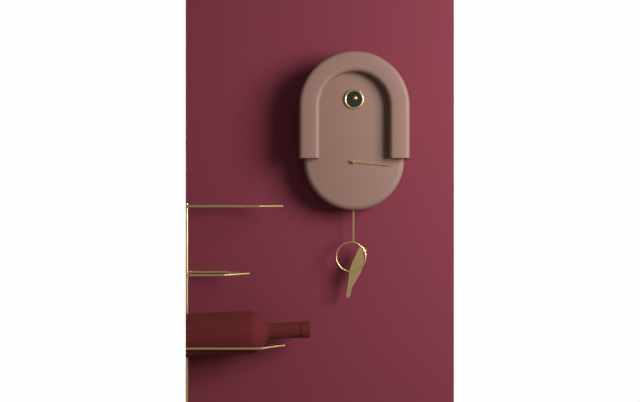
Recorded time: 3.16
